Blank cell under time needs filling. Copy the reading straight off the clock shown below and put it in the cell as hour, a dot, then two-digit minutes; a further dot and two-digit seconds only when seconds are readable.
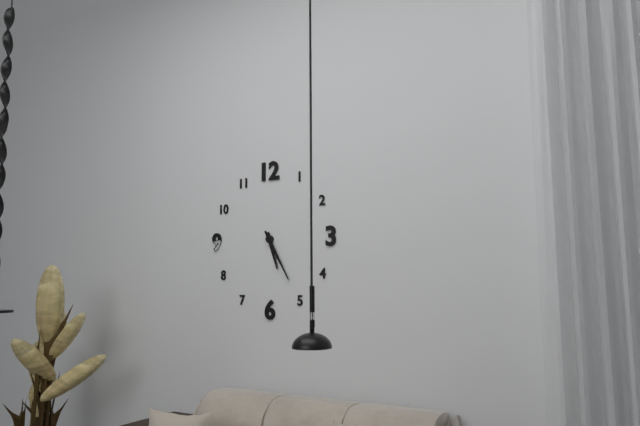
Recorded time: 5.25
